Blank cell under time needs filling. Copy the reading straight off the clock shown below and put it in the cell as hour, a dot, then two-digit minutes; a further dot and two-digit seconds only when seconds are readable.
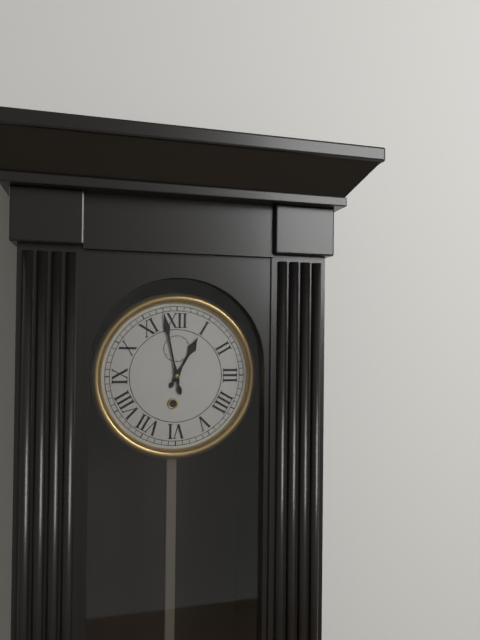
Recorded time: 12.58
